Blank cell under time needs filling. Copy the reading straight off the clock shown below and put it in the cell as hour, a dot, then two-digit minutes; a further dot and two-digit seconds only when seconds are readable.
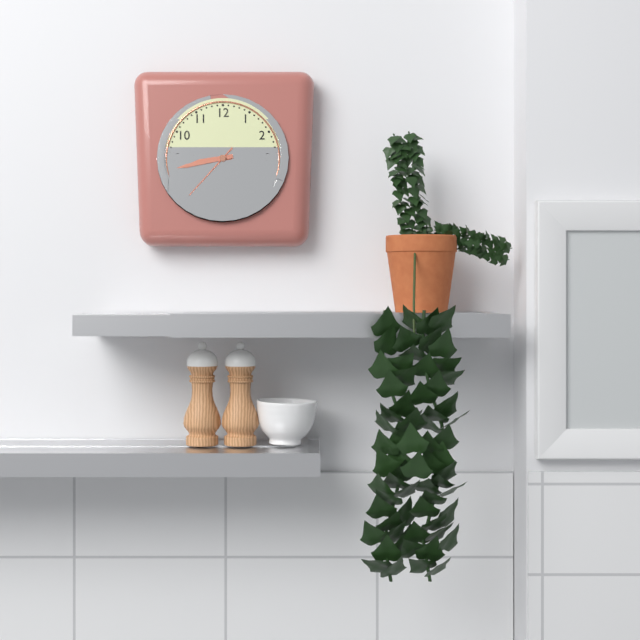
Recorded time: 8.43.37
